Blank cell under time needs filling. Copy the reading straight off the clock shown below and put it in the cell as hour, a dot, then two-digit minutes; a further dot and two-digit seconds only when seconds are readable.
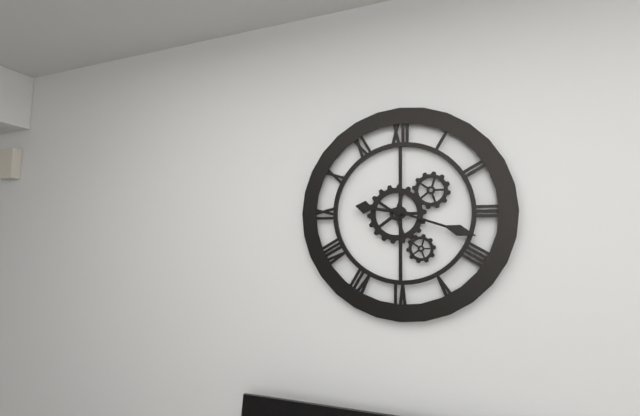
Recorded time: 9.18
